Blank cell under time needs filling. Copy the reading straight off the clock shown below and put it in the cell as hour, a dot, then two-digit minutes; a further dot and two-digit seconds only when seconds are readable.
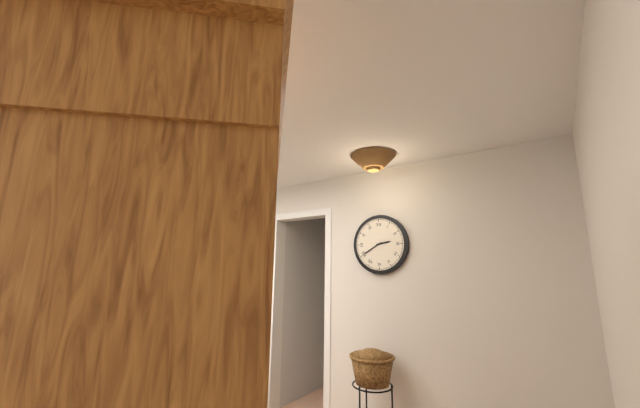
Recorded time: 2.40
